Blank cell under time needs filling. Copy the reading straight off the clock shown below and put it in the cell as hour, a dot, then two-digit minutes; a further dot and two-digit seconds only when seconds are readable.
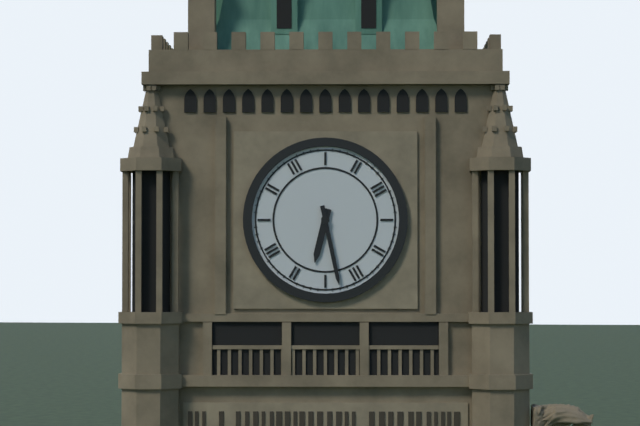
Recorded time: 6.28
